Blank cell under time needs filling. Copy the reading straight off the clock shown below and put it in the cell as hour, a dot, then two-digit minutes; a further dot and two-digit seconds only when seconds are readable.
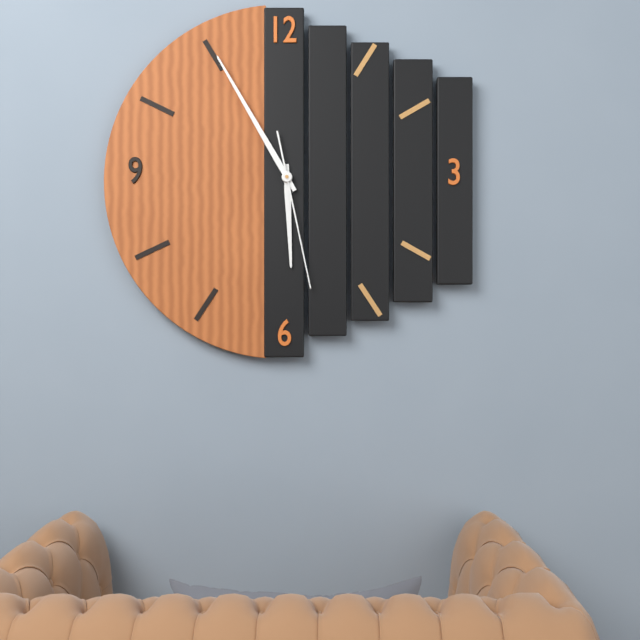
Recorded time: 5.55.28
